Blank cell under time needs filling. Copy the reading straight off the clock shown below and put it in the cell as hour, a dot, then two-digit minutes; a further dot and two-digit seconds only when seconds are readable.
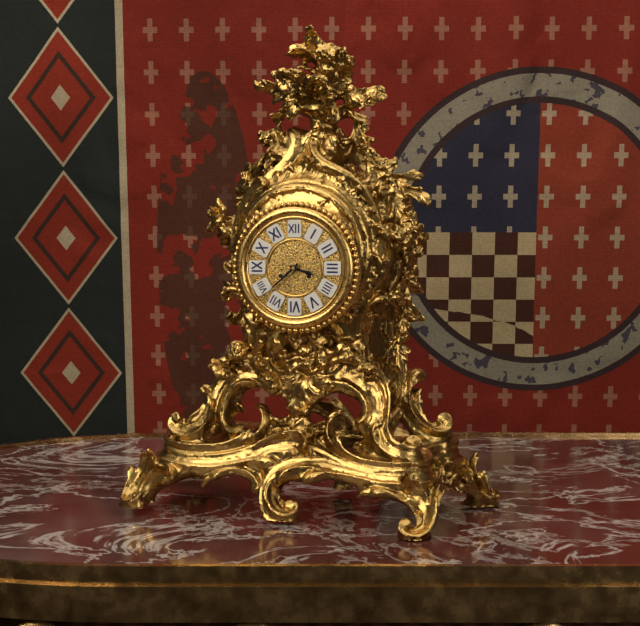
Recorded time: 3.38
